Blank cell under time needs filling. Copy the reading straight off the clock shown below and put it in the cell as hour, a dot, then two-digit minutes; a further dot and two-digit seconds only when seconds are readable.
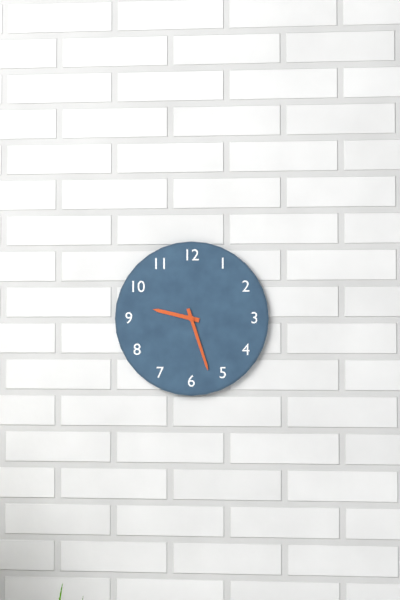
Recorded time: 9.27
